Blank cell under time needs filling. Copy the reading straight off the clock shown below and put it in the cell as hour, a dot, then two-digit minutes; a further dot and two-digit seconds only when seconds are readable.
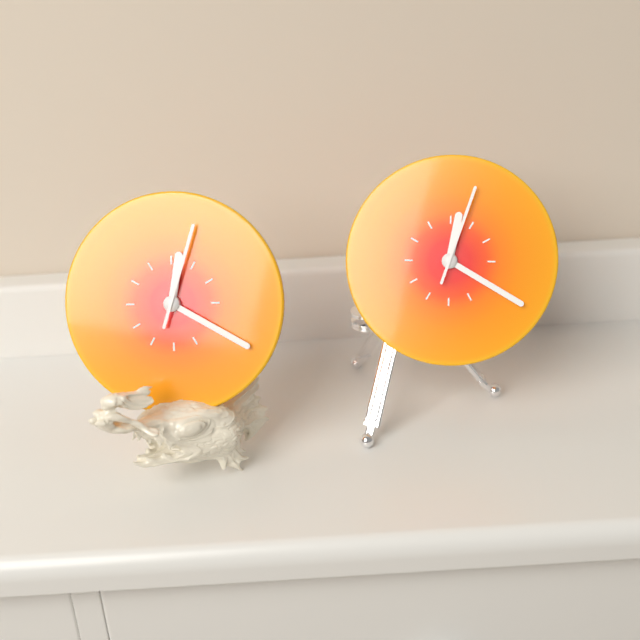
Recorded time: 12.20.03
